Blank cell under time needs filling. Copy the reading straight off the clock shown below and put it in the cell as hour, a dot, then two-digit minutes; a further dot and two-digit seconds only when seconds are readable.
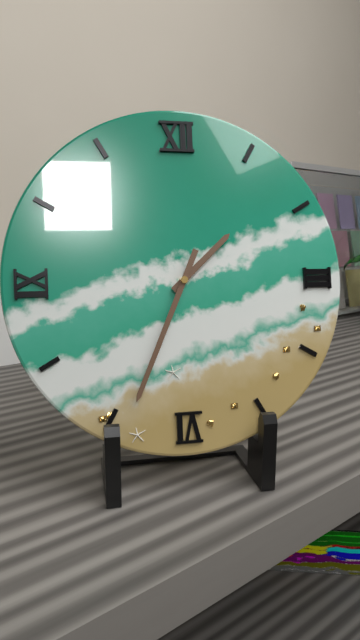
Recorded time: 1.34
